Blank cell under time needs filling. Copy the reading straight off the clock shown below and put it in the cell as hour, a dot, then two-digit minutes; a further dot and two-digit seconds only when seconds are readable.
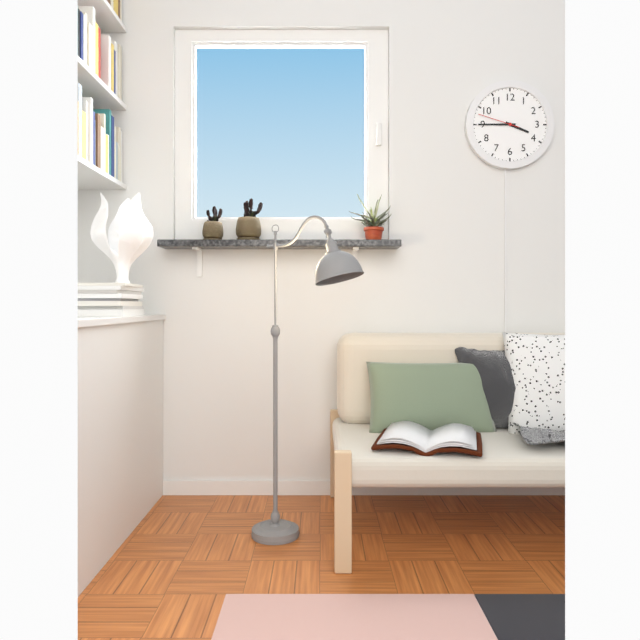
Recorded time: 3.45
